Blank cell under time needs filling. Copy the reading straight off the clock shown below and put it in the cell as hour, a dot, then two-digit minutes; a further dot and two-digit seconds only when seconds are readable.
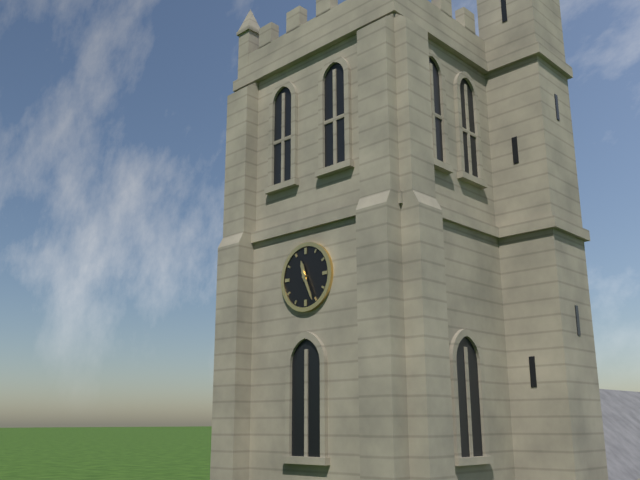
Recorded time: 11.26
